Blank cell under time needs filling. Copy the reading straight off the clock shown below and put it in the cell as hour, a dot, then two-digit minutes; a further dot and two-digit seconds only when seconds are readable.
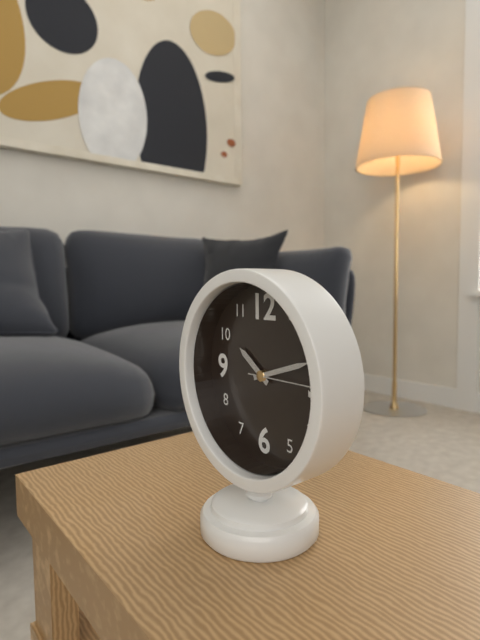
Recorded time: 10.12.15
